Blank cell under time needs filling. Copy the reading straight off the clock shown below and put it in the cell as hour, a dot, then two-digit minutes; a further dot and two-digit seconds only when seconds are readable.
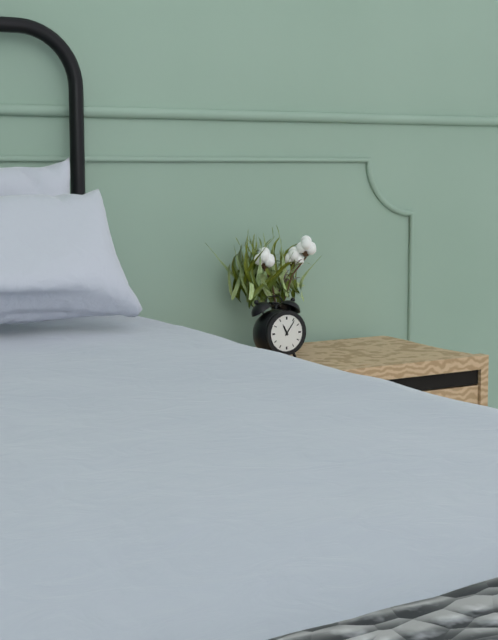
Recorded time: 11.06
